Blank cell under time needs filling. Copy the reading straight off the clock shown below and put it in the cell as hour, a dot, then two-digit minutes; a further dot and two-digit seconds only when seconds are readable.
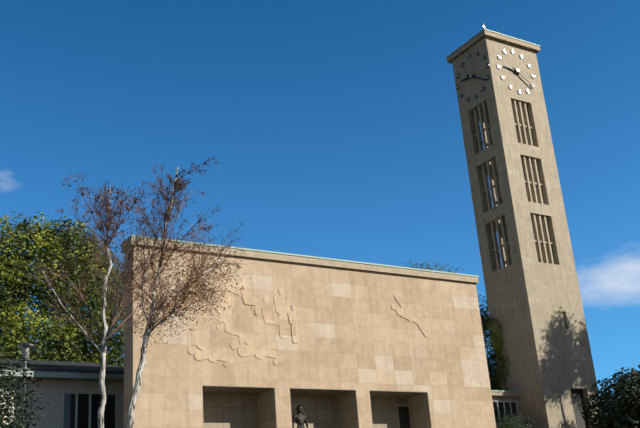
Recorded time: 9.21
